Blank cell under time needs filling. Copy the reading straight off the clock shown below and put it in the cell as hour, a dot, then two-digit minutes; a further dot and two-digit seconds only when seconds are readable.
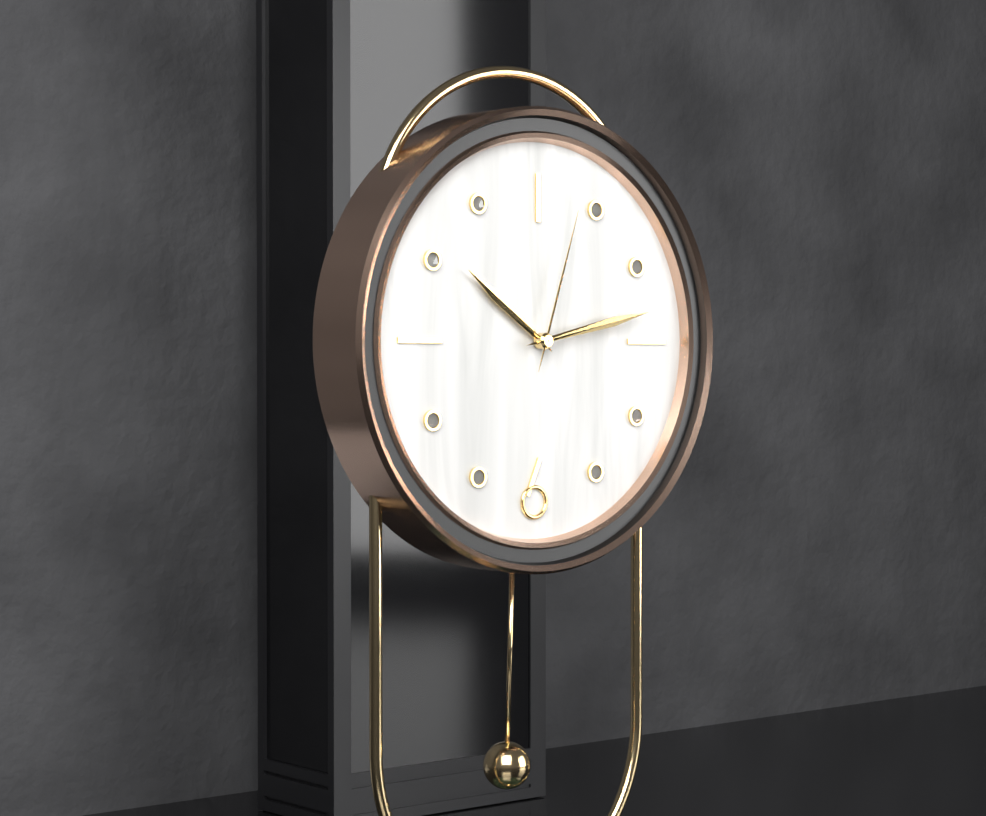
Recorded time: 10.13.03
